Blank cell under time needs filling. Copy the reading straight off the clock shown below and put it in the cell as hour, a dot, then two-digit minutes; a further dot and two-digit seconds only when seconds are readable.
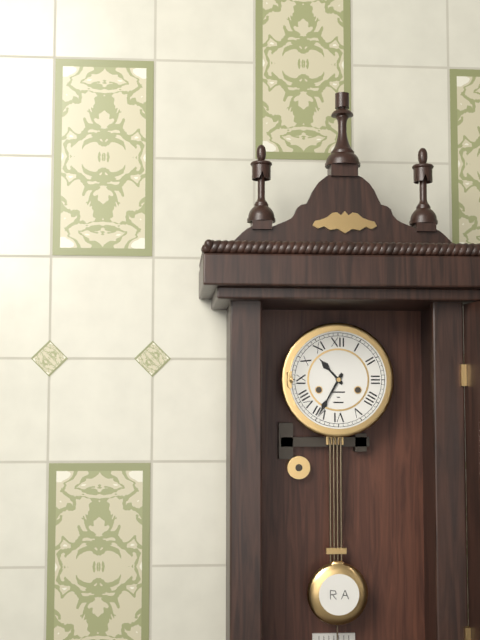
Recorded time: 10.35
